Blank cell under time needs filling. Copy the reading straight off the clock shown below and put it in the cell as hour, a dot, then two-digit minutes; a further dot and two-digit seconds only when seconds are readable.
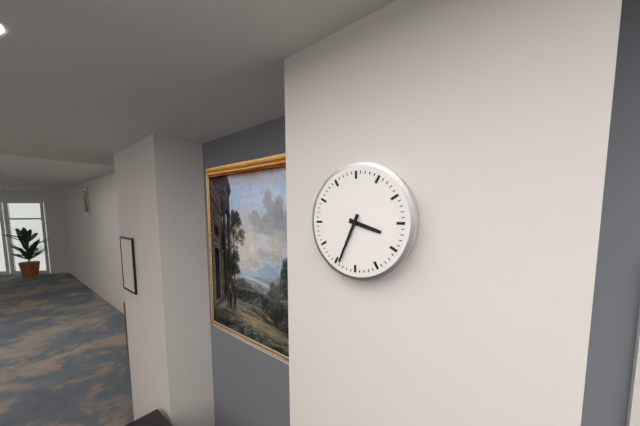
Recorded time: 3.34
